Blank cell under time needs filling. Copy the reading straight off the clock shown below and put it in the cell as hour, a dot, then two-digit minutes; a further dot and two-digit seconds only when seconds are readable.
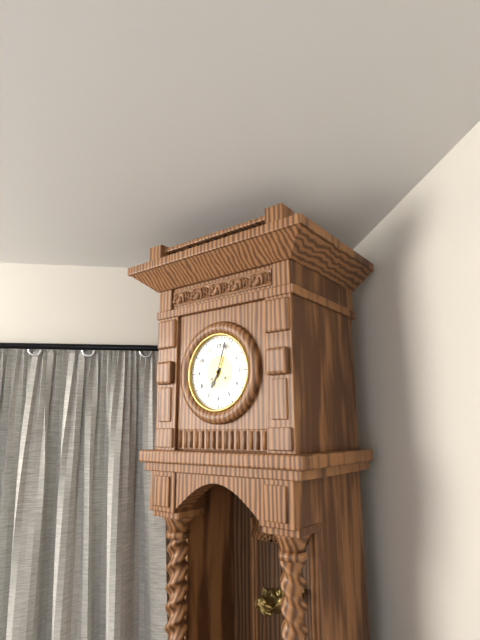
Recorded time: 7.03
